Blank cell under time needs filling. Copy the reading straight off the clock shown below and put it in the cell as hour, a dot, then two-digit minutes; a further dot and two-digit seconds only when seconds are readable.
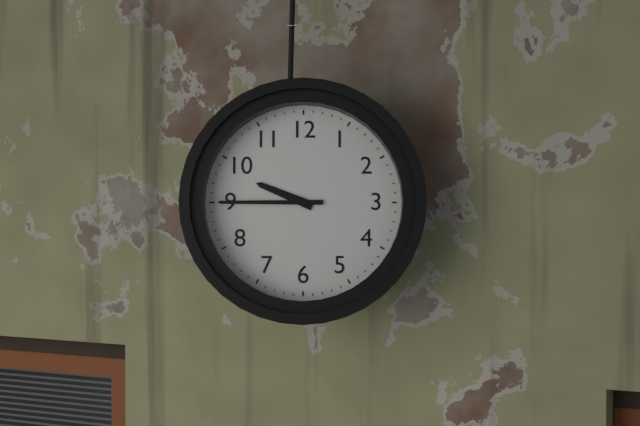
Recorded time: 9.45
